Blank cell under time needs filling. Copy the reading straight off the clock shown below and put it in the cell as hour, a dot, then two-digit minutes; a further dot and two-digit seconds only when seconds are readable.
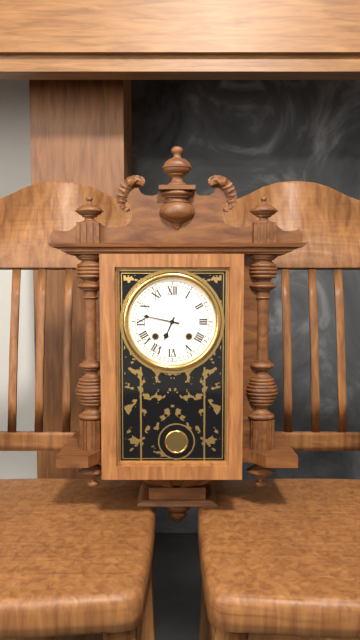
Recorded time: 6.47
